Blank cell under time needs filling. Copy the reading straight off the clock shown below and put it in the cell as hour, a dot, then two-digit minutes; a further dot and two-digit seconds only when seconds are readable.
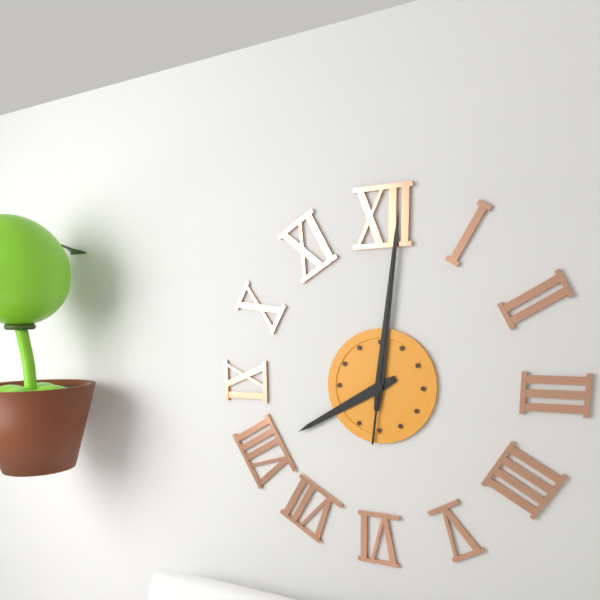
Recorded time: 8.01.01
